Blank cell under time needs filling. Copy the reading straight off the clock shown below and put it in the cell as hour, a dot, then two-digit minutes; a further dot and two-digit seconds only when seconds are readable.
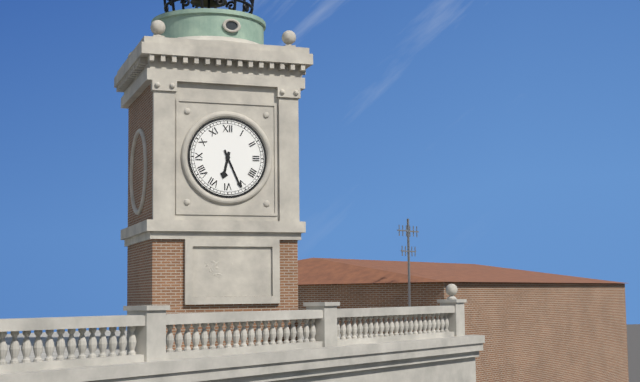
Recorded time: 6.26
